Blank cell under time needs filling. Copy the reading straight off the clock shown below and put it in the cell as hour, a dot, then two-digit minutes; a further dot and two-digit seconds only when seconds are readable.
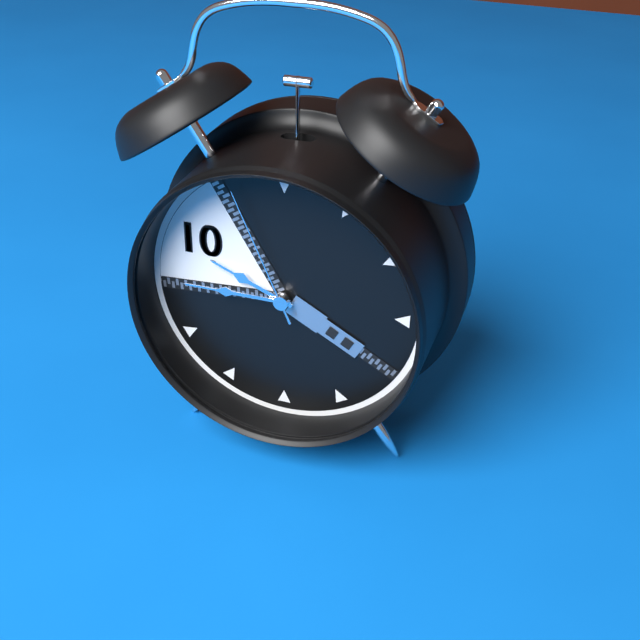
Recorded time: 9.45.56
